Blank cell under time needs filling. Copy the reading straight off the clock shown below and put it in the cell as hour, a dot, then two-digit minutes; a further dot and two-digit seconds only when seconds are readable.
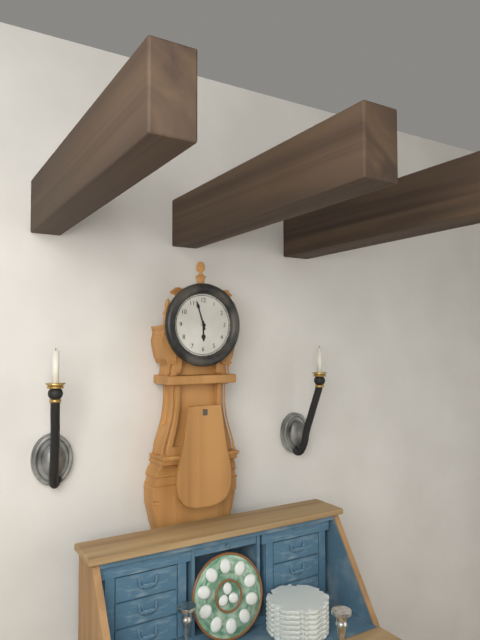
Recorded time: 5.57
